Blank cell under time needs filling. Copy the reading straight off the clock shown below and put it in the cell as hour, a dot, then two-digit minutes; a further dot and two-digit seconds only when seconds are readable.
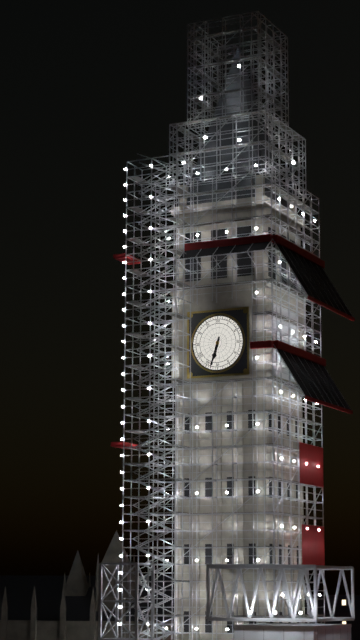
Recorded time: 6.33
